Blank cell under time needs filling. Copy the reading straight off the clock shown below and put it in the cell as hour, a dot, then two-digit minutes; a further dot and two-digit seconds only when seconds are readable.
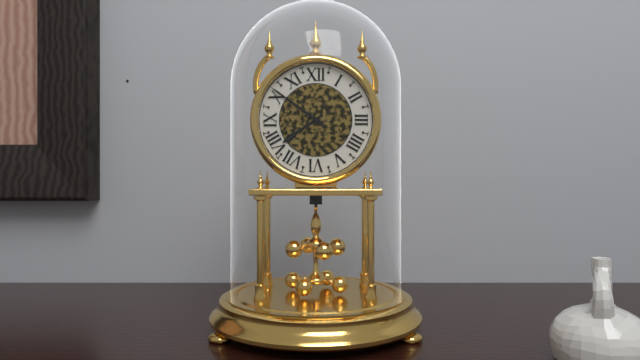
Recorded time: 7.51
